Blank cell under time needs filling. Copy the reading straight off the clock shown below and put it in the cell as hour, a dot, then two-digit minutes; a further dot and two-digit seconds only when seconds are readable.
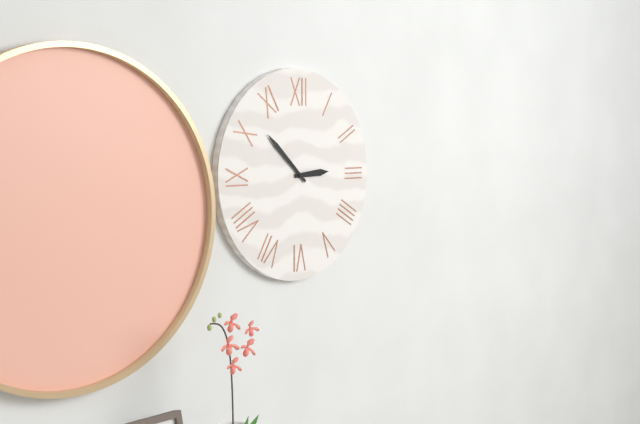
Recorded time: 2.52
